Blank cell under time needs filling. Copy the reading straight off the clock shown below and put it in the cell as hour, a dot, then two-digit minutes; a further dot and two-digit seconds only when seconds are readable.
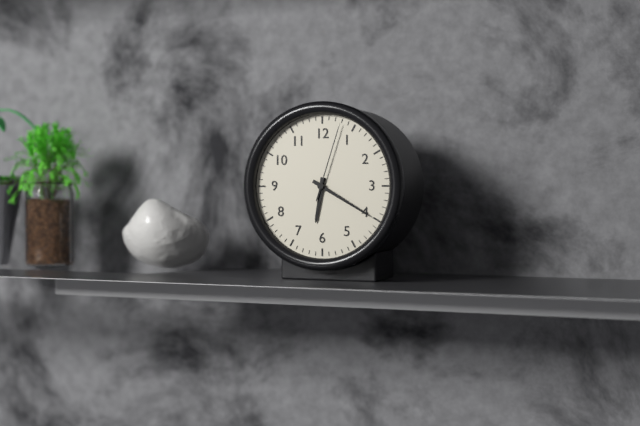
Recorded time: 6.20.03
